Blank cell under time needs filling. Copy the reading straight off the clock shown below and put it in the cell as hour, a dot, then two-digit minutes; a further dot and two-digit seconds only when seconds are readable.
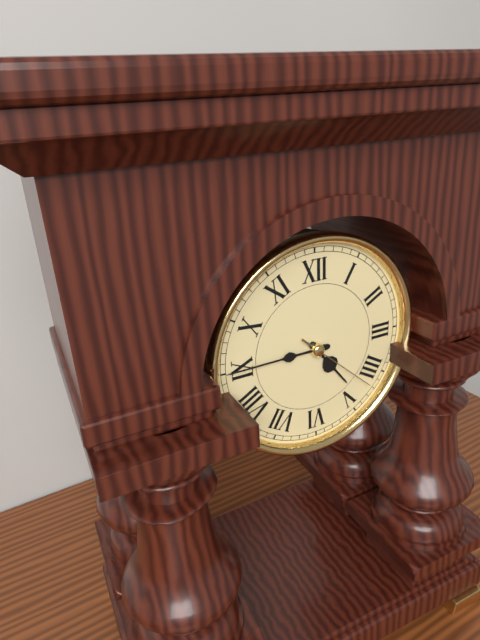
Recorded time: 4.45.22
